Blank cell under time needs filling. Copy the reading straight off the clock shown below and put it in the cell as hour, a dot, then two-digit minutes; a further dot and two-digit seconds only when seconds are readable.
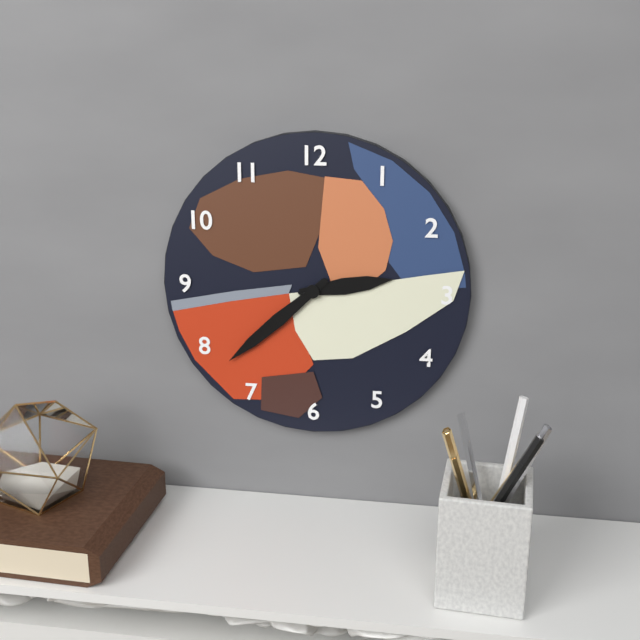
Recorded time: 2.38
